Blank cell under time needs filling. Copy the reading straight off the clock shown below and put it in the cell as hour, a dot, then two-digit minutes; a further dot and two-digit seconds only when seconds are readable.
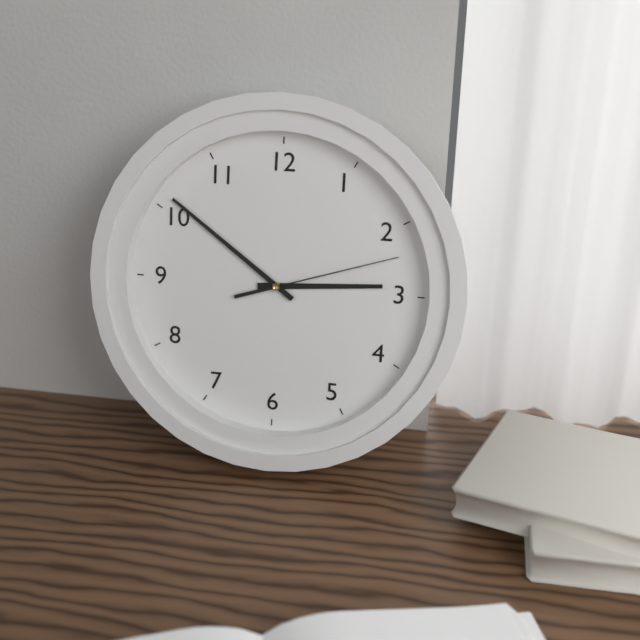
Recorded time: 2.51.12
